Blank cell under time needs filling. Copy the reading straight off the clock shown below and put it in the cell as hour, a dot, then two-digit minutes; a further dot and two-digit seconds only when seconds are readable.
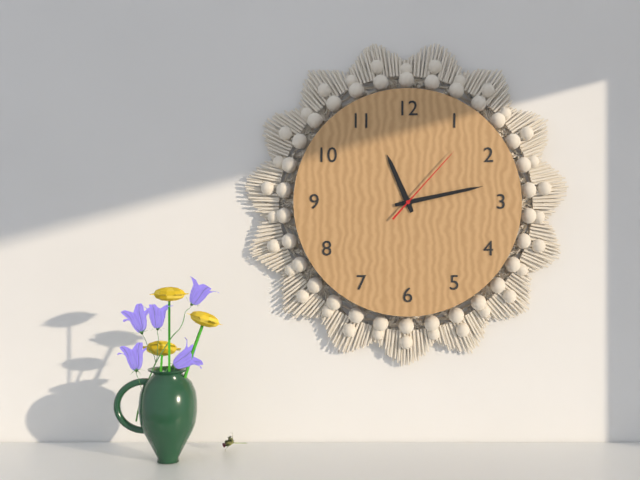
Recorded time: 11.13.07
